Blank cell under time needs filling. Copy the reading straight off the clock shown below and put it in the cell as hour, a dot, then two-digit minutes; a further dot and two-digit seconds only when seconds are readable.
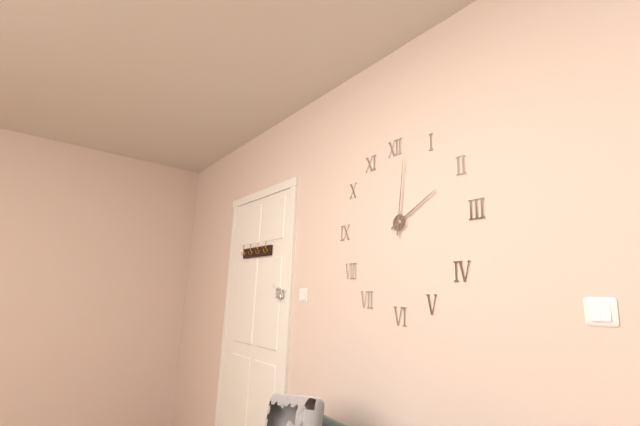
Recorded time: 2.01
